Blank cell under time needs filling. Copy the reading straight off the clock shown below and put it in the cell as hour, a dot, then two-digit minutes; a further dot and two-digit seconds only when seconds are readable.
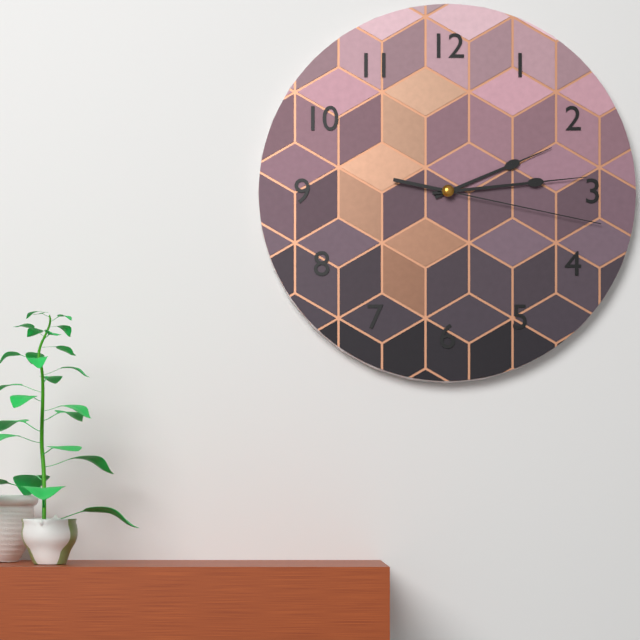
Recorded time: 2.14.17
